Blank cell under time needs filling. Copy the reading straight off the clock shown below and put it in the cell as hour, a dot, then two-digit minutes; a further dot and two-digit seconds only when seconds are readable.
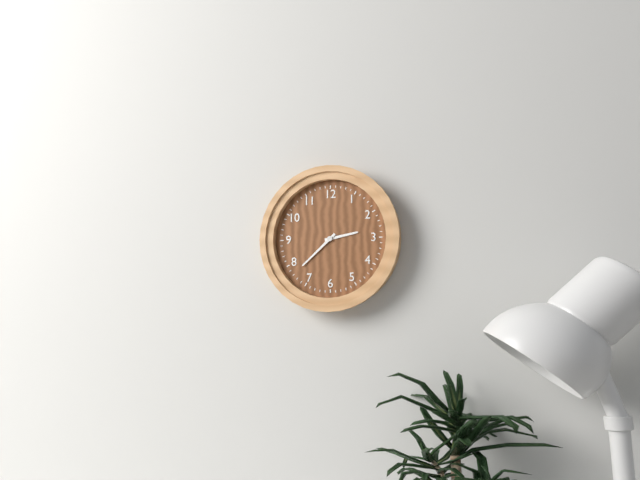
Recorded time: 2.38
